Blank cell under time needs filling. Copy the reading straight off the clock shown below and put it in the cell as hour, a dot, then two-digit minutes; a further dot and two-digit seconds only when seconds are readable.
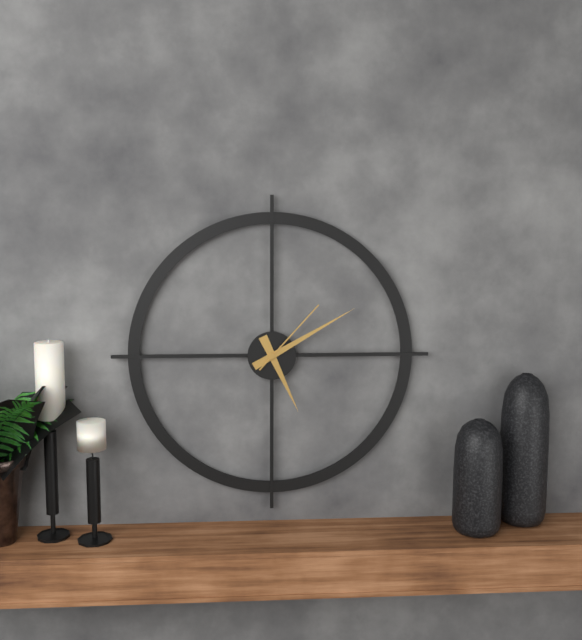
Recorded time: 5.10.07
